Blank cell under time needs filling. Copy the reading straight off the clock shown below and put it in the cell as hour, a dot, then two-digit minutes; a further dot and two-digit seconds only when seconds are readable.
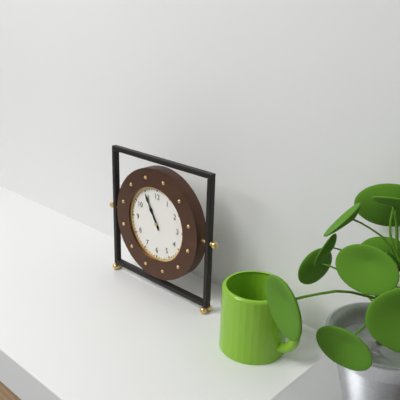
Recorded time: 10.55
